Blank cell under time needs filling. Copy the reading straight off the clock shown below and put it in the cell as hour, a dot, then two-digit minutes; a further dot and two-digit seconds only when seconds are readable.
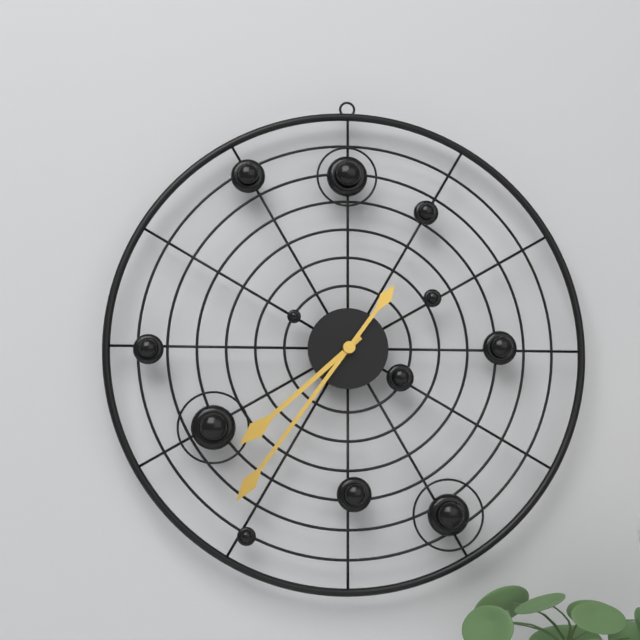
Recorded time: 7.36
